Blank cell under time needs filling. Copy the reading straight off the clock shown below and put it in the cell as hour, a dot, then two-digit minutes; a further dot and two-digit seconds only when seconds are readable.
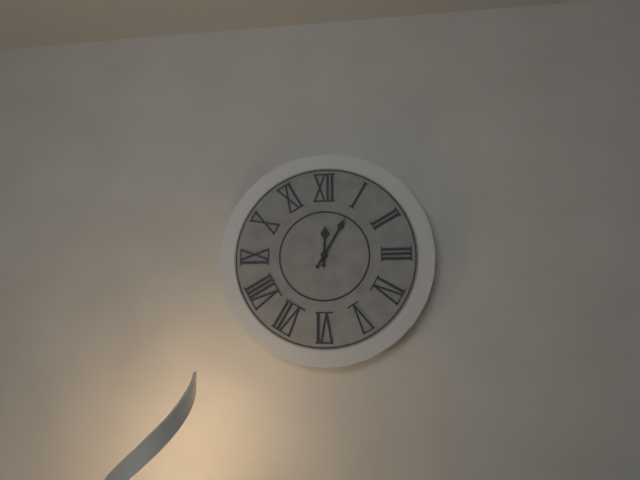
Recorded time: 12.05
